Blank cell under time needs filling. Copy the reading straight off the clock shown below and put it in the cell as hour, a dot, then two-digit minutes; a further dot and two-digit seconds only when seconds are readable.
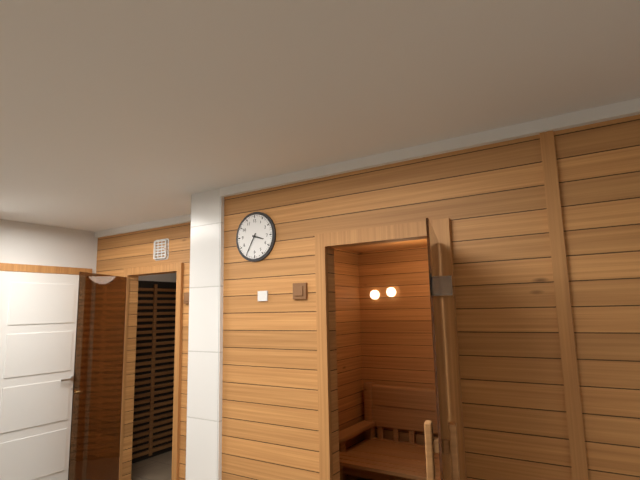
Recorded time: 3.35
